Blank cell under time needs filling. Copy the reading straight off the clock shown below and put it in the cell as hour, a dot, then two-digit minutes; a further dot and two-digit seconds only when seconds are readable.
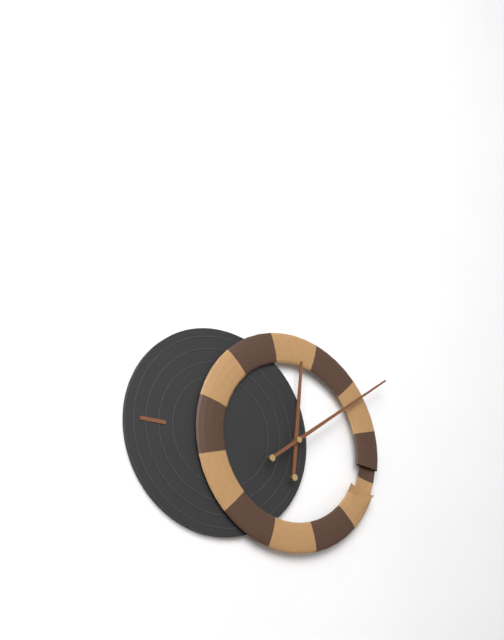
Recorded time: 12.09
